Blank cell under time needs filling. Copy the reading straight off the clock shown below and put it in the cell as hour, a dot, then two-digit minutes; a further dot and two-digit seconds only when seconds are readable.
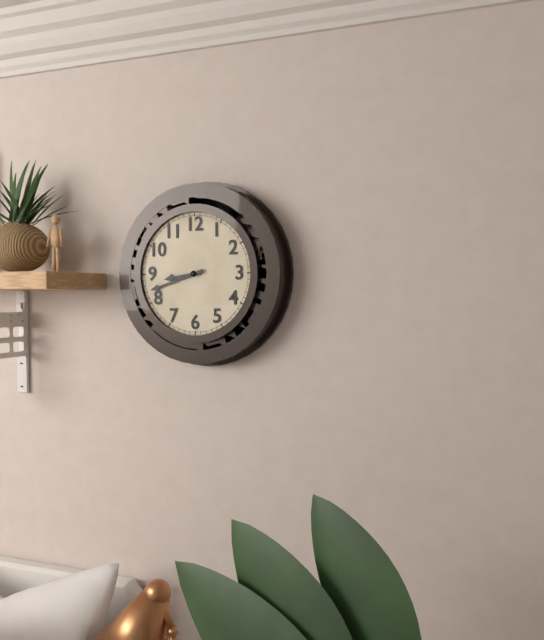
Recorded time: 8.42
